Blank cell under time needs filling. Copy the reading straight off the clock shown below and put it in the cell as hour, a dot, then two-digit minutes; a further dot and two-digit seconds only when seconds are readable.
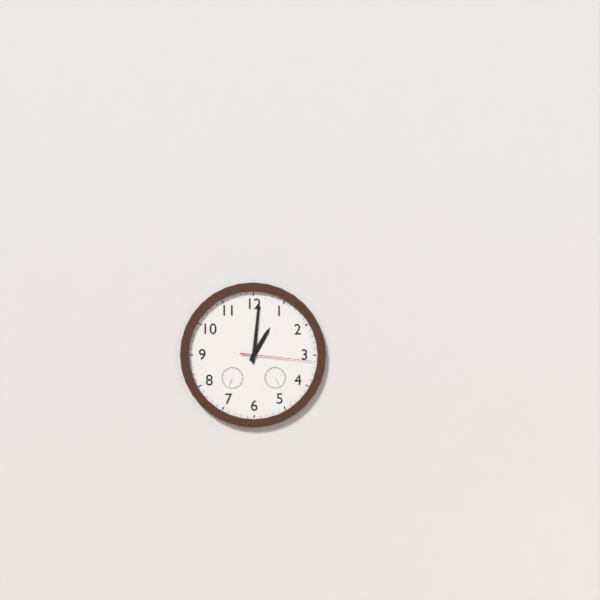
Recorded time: 1.01.16
